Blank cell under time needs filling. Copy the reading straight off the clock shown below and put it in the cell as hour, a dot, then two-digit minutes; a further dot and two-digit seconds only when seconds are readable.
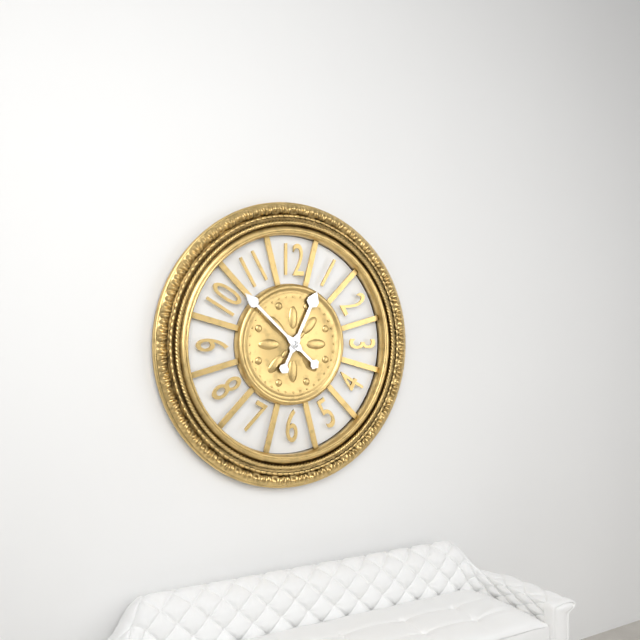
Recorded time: 12.52
